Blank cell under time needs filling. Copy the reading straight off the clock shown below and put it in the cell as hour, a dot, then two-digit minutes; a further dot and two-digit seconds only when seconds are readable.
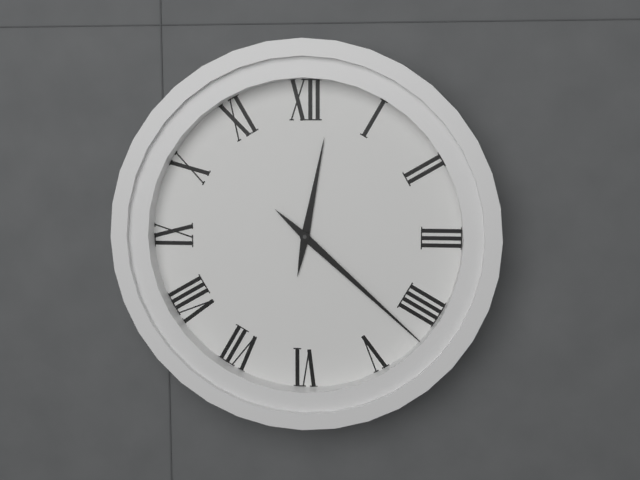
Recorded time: 12.22
